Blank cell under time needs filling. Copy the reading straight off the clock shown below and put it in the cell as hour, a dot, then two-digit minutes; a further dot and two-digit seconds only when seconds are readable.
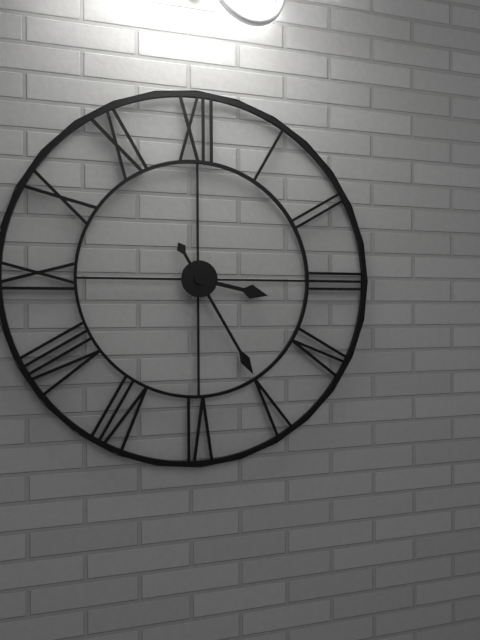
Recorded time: 3.25
